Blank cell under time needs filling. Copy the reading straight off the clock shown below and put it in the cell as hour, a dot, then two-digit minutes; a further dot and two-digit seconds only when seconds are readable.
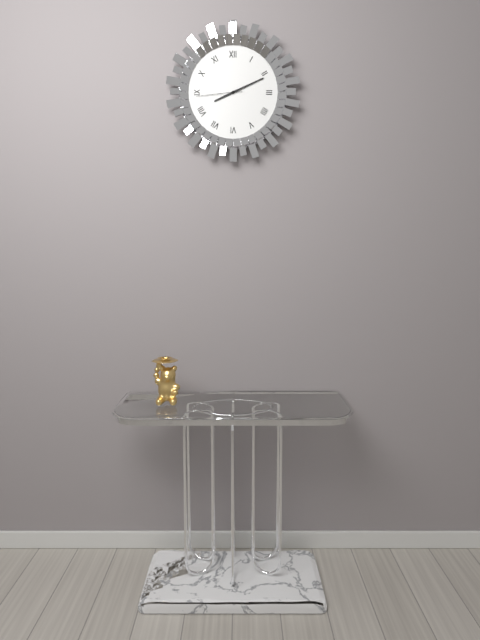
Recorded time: 8.11
